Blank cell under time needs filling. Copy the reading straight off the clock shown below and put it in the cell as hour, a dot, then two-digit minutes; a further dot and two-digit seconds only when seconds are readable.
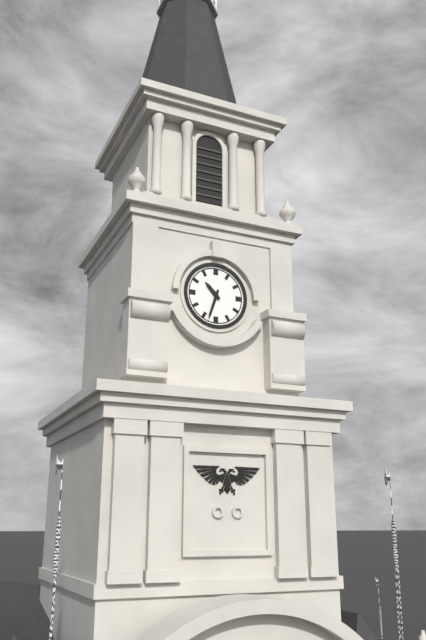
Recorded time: 10.33
